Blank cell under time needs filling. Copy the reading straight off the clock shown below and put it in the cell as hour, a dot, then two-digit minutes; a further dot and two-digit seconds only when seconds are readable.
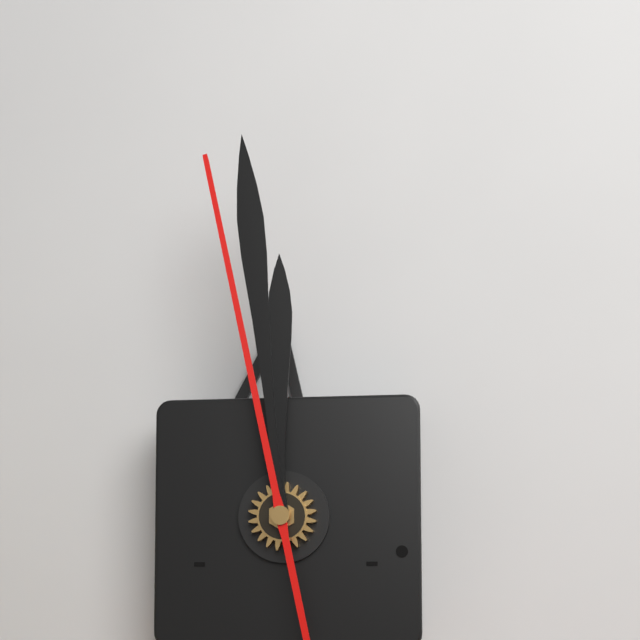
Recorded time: 11.59.58
